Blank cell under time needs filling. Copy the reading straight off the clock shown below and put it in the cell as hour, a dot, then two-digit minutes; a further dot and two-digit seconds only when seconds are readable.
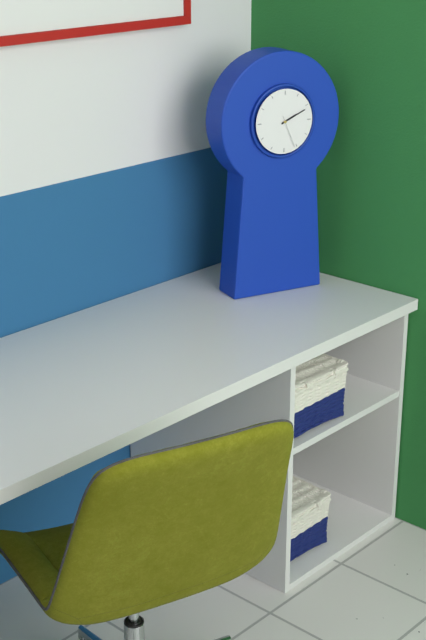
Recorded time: 2.11
